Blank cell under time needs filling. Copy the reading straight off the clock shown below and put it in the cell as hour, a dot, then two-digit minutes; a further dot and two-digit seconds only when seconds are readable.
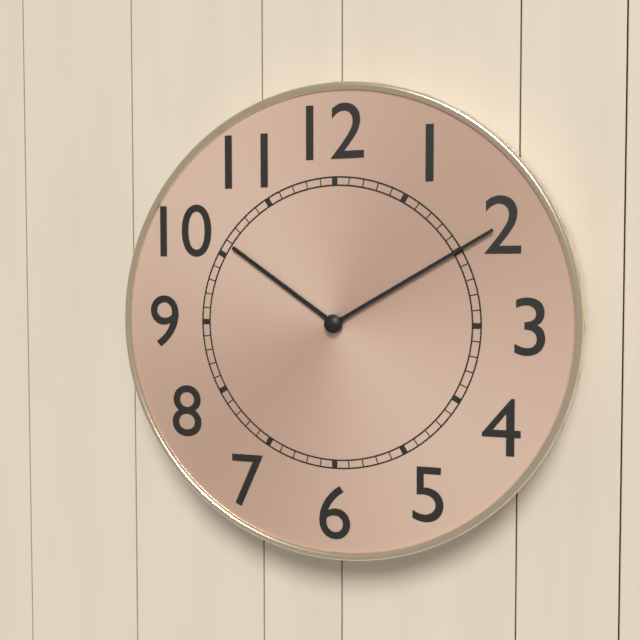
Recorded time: 10.10
